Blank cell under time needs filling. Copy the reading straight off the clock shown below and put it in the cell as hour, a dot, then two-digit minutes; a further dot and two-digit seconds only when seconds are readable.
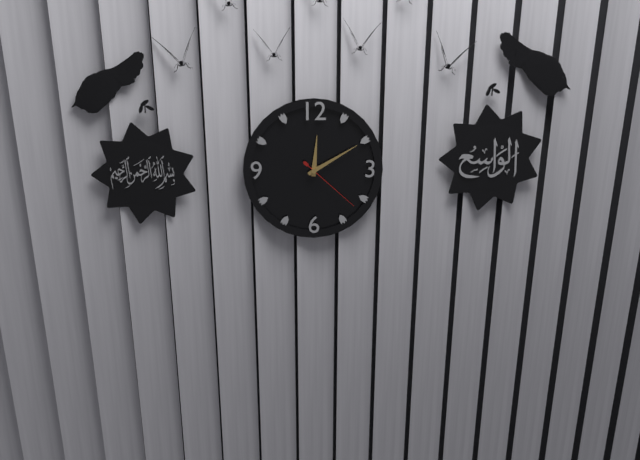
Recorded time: 12.10.22
